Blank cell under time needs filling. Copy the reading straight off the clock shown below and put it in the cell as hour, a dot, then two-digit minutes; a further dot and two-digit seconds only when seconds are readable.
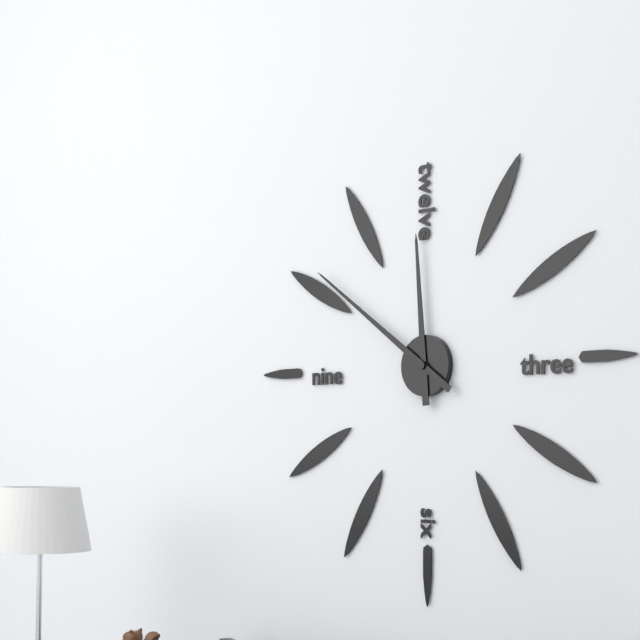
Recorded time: 11.51
